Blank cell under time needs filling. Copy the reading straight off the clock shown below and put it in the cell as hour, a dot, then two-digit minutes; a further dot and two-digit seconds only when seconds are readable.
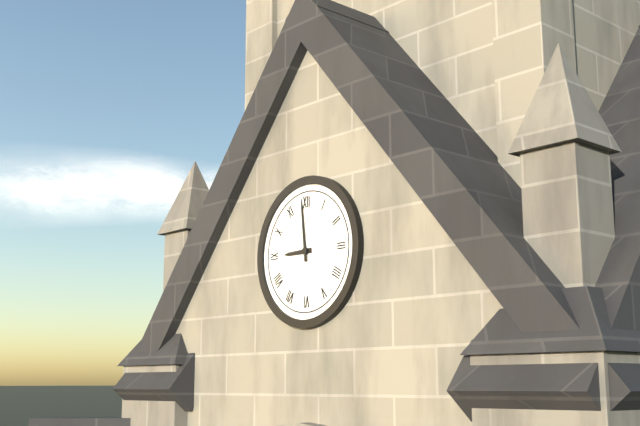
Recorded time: 8.59
